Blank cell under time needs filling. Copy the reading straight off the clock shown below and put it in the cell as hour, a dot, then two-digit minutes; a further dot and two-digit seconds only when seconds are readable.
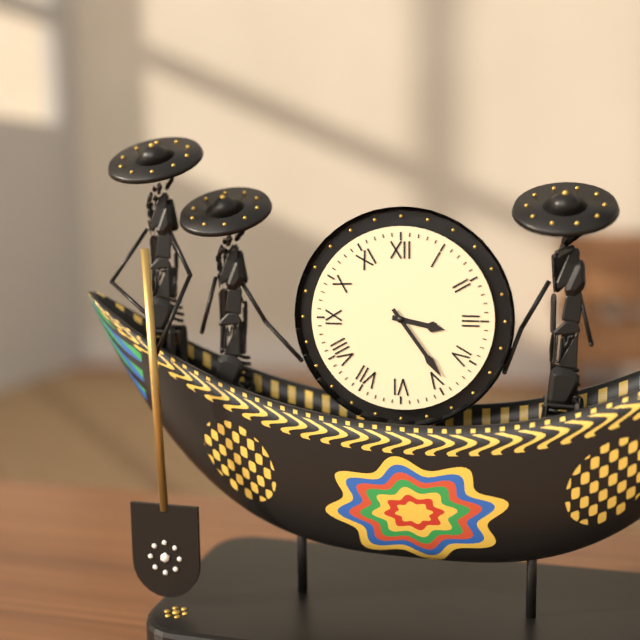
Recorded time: 3.24
